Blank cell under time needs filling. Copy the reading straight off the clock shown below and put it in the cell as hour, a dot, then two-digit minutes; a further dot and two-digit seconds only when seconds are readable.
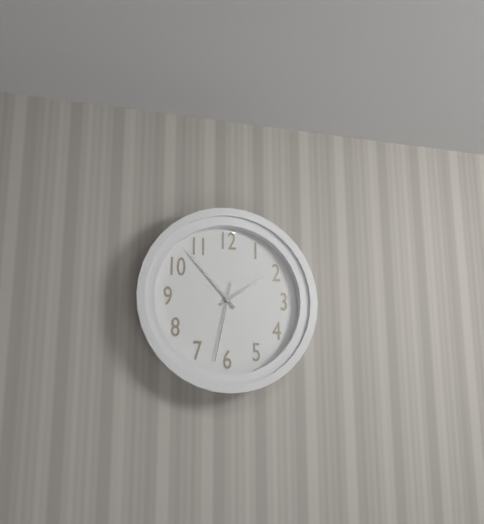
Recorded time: 1.53.32
